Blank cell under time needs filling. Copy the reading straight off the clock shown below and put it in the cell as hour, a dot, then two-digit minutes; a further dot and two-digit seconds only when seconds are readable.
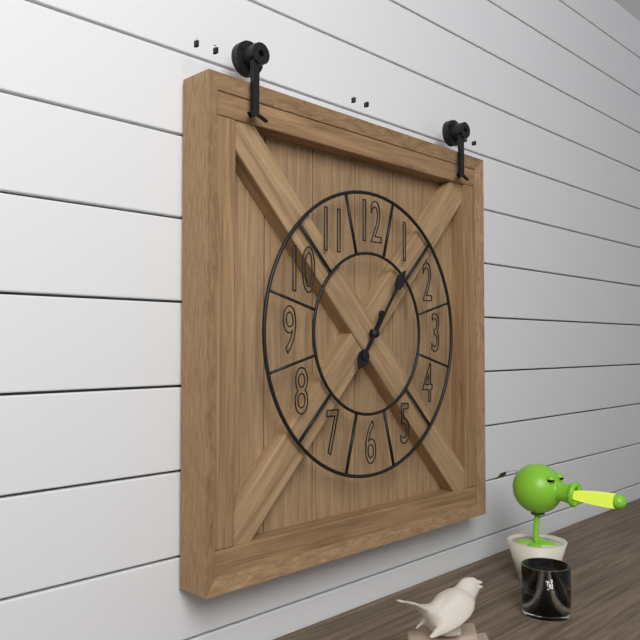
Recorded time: 7.06
